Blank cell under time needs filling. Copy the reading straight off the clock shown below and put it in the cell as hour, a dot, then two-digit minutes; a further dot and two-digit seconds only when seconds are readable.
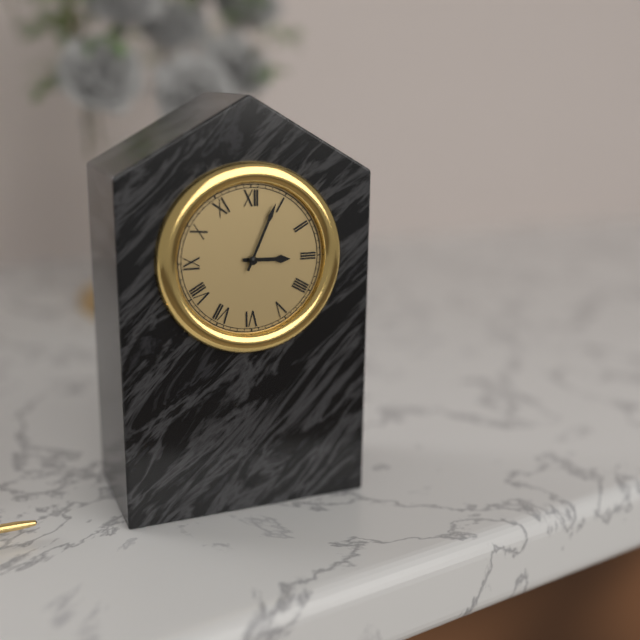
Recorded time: 3.04
